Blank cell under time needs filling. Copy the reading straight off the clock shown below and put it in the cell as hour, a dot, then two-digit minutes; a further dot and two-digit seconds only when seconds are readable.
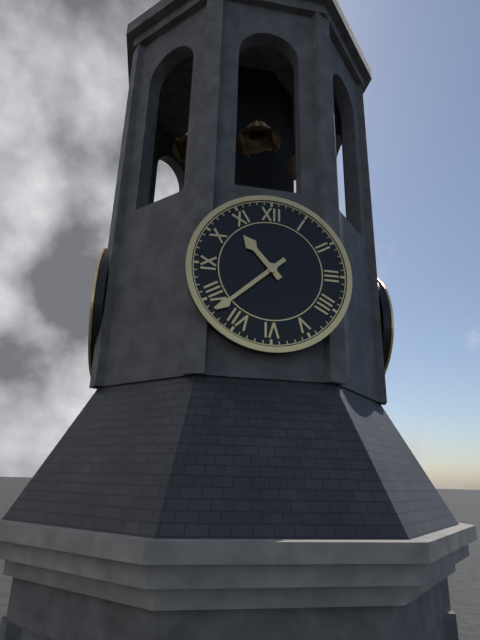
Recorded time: 10.38
